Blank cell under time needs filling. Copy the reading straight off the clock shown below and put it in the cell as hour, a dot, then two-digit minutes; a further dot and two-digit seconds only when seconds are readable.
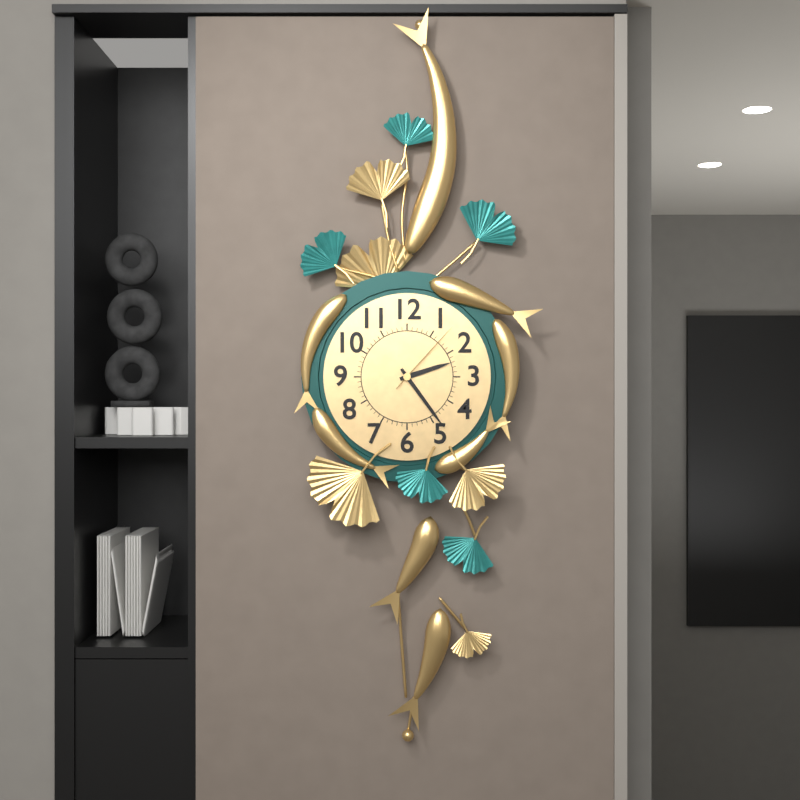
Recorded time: 2.24.07
